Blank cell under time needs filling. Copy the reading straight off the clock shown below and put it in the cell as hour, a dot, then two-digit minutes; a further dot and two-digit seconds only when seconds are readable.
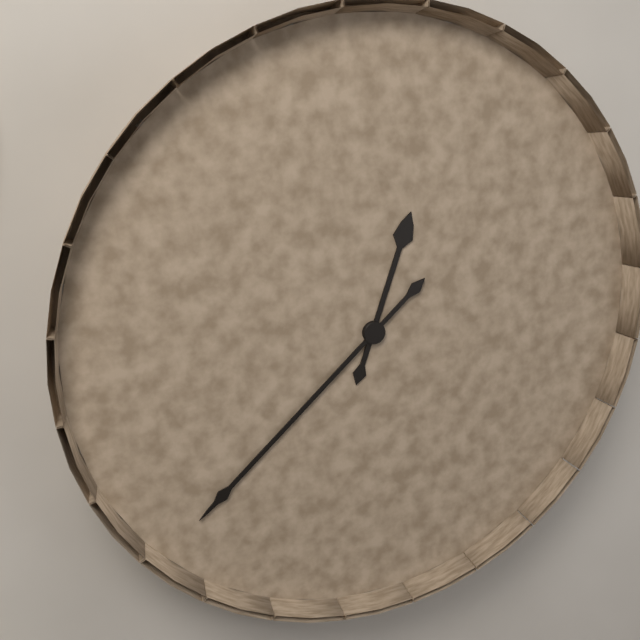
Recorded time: 12.38
